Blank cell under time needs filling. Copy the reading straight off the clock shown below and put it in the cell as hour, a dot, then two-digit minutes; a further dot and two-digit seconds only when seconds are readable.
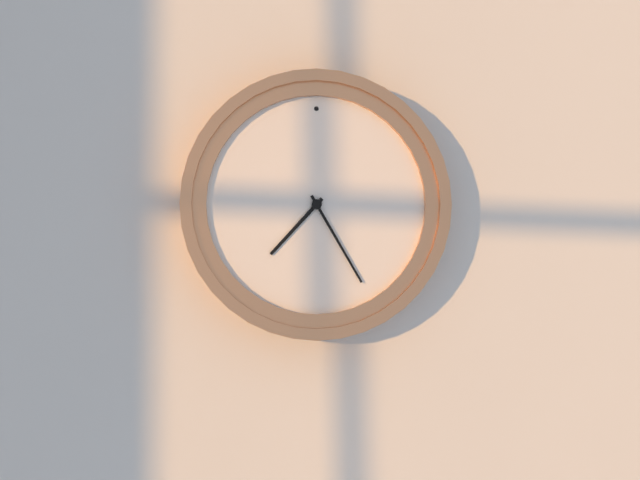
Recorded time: 7.25
